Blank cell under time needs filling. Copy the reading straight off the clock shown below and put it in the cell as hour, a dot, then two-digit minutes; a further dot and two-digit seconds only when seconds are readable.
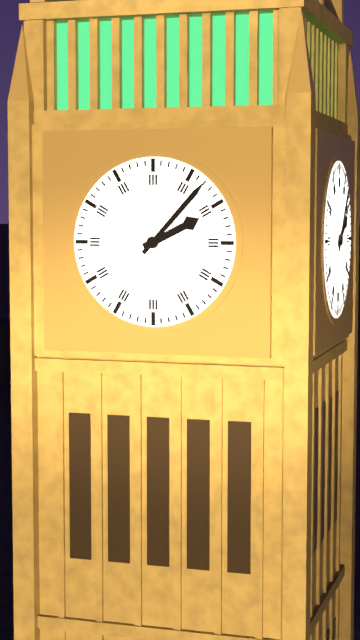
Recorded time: 2.07
